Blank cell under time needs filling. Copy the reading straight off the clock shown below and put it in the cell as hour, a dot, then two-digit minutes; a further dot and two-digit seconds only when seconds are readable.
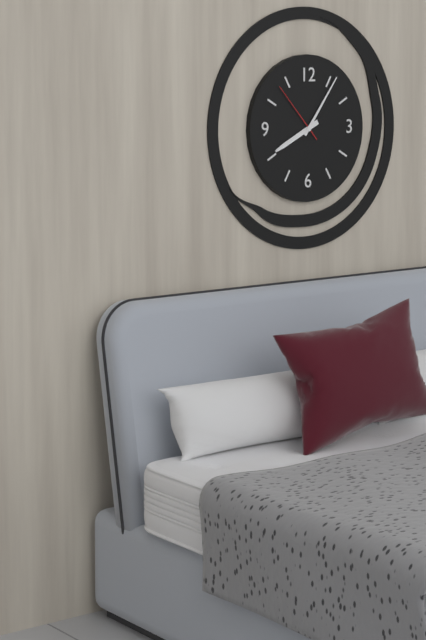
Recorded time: 8.06.53
